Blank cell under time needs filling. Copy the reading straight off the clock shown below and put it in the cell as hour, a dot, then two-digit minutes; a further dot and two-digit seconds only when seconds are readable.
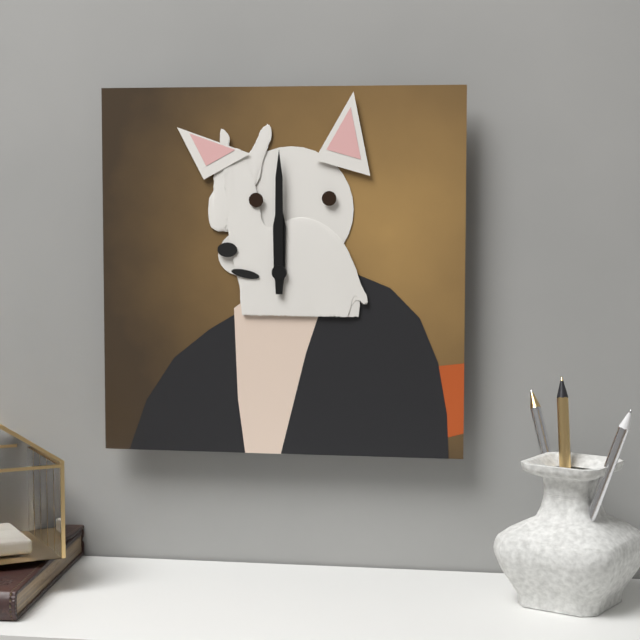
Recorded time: 12.00
